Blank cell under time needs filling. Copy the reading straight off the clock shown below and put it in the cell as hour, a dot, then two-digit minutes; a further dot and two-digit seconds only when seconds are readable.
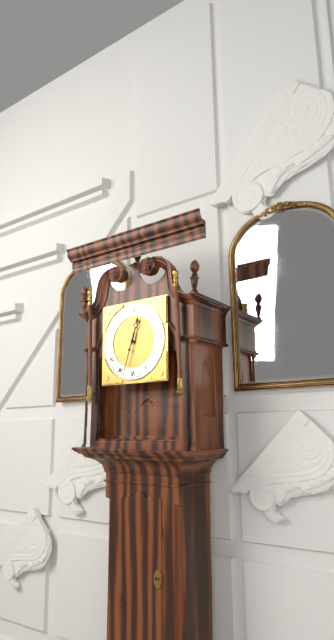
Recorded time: 12.33
